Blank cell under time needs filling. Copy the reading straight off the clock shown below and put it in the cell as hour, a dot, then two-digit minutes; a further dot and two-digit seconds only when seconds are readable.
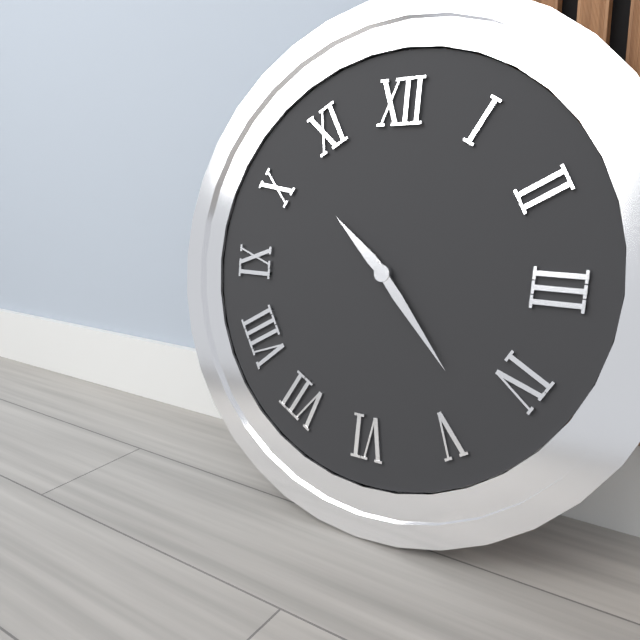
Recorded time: 10.23
